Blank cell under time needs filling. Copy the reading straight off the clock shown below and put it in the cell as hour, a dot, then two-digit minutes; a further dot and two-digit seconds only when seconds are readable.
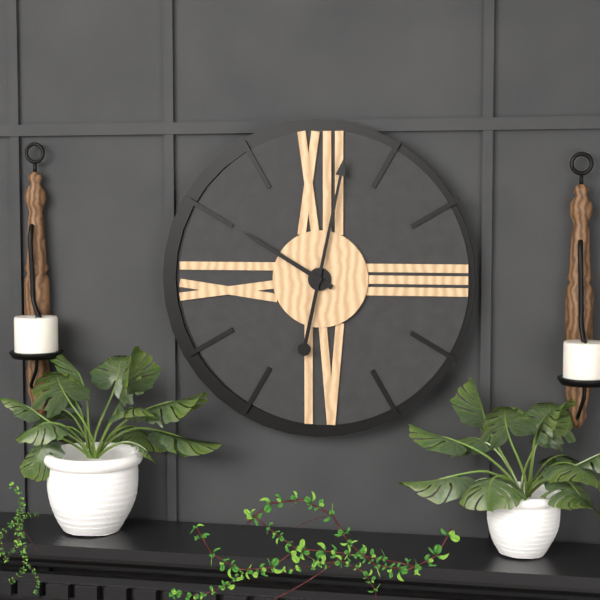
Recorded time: 10.02
